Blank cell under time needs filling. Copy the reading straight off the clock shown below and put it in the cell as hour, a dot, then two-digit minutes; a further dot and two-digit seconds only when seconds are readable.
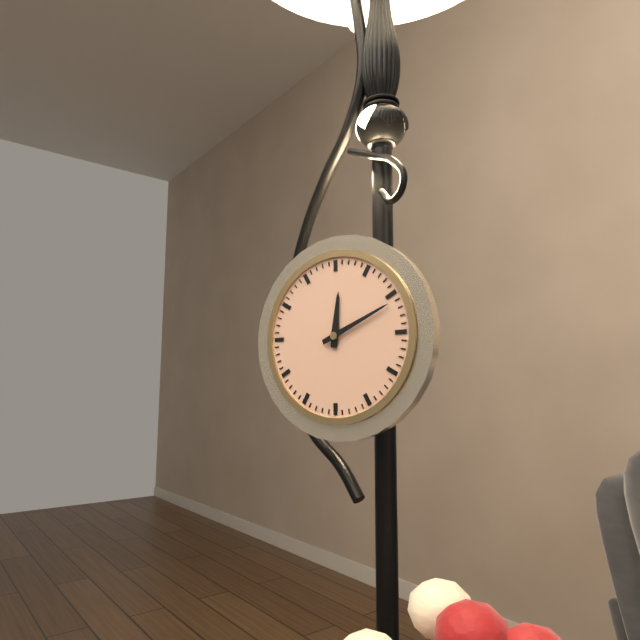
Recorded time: 12.11
